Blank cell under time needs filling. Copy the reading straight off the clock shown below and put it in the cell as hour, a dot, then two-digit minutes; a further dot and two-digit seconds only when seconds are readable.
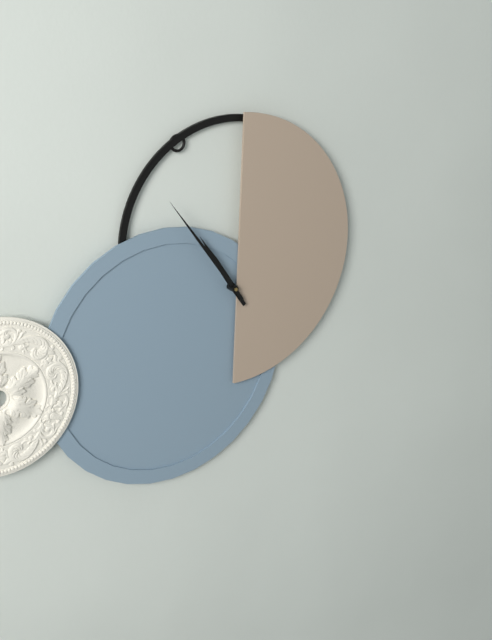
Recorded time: 10.54
